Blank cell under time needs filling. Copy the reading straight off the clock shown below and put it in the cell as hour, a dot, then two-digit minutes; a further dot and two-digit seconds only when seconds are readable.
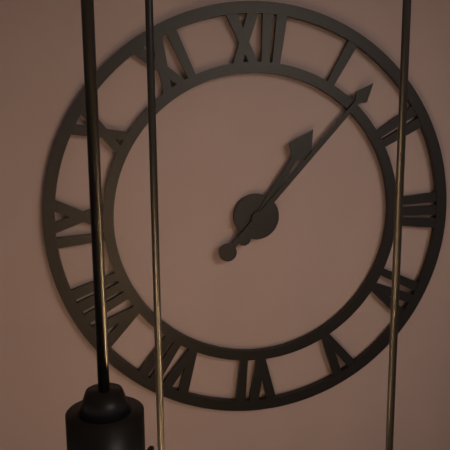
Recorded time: 1.07
